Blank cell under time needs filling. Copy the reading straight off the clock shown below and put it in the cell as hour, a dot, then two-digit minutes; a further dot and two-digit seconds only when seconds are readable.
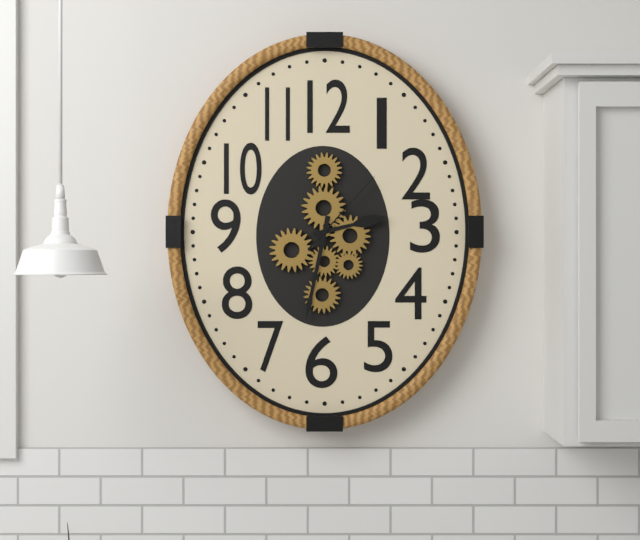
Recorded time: 2.32.07
